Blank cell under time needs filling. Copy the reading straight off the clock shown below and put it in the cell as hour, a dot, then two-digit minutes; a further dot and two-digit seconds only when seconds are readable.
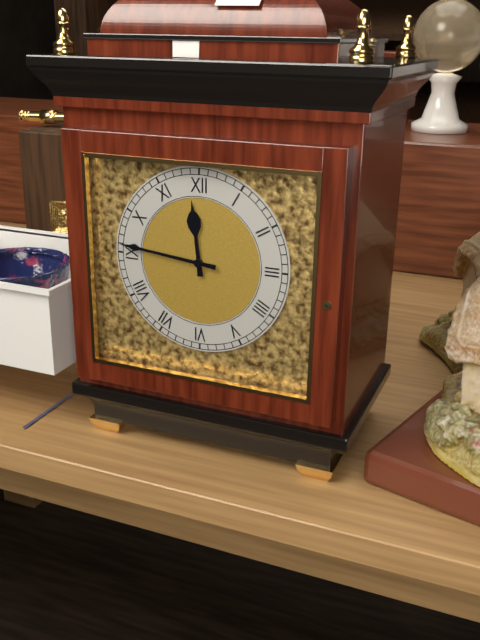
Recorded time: 11.46
